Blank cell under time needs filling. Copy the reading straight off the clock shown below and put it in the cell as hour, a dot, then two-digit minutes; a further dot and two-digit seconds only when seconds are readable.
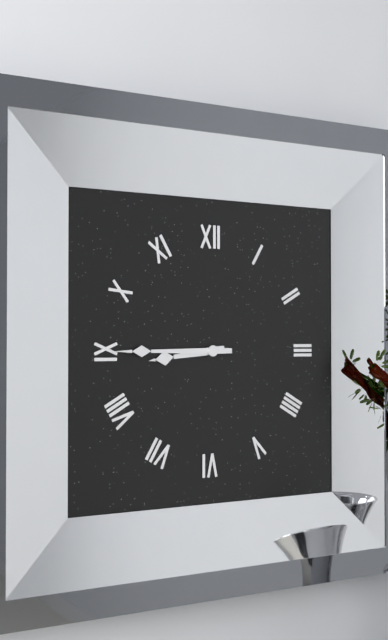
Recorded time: 8.45
